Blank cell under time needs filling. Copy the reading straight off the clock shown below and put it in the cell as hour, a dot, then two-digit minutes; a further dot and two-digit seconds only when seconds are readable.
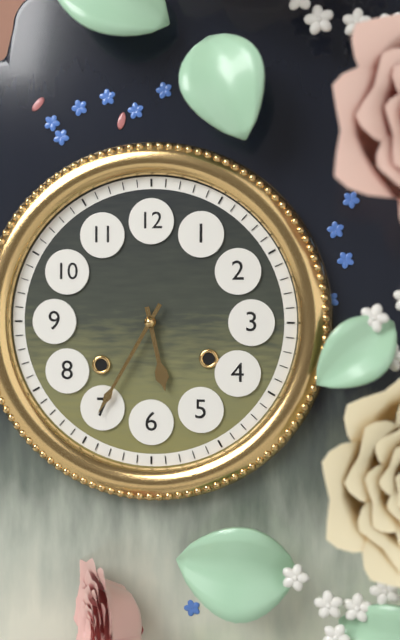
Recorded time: 5.35
